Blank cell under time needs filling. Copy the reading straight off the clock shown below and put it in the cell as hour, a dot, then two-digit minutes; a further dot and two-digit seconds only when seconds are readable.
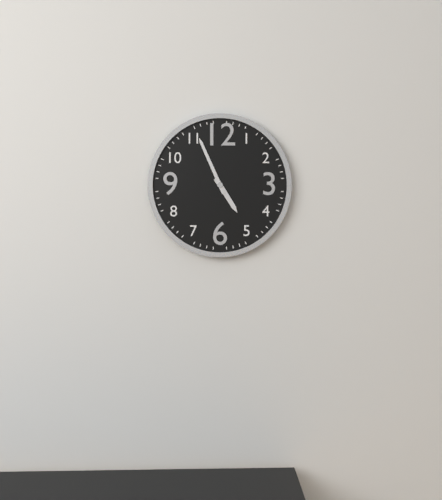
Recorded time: 4.56
